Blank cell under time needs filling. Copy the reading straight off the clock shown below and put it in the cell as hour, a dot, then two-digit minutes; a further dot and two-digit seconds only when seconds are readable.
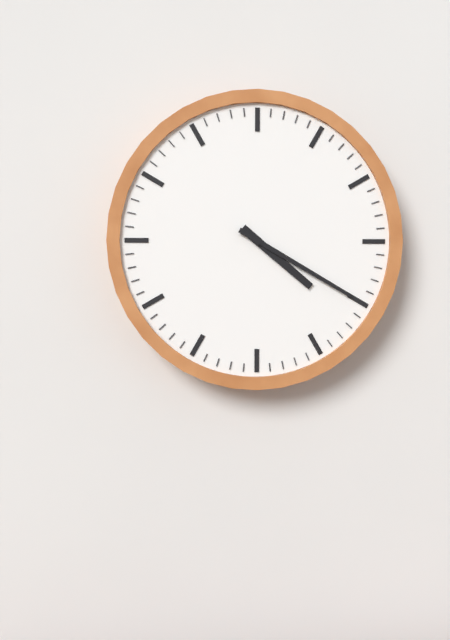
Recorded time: 4.20
